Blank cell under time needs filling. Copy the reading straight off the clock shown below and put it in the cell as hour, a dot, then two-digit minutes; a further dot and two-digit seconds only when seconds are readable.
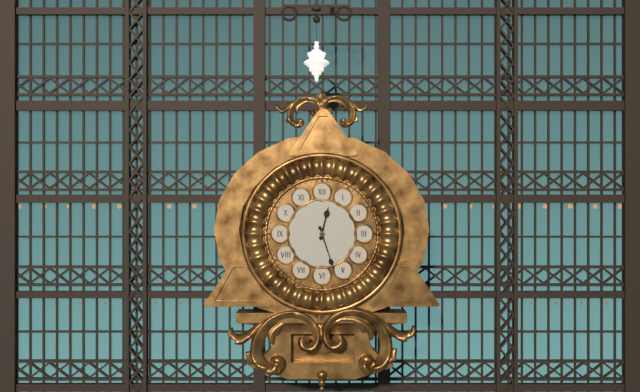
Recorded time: 12.27
